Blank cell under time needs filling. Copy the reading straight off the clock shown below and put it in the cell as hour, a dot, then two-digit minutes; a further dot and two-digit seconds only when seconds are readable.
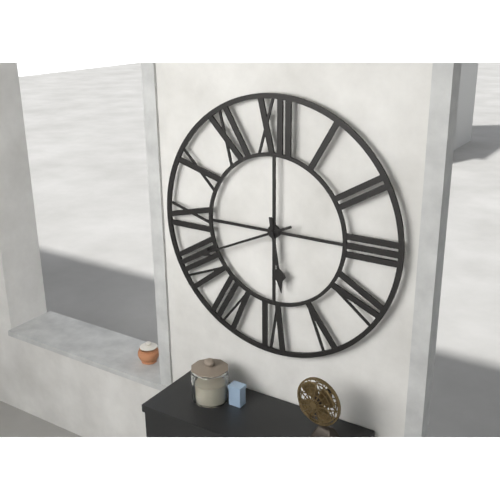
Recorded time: 5.41
